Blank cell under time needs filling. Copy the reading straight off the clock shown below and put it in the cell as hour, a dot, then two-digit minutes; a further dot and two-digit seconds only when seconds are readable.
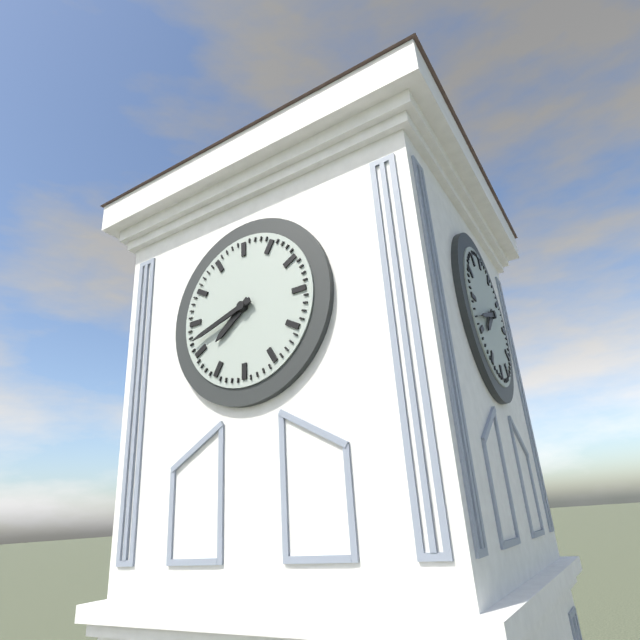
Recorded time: 7.42
